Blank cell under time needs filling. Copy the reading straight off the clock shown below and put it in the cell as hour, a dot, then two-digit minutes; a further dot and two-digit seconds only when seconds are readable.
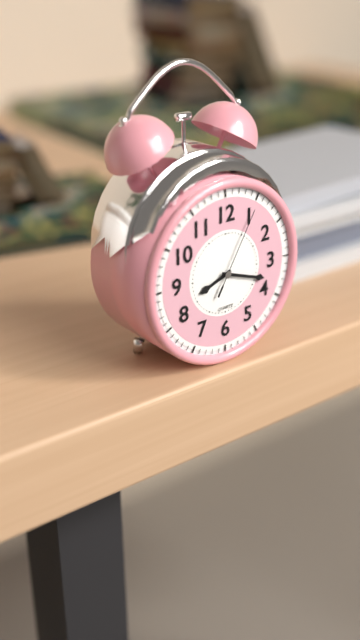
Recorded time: 8.18.05
